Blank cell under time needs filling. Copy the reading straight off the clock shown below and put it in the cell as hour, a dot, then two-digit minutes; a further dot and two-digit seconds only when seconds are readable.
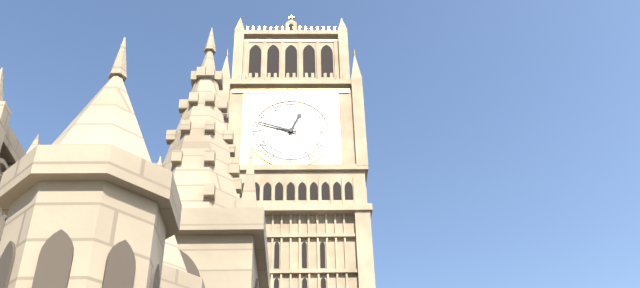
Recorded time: 12.48
